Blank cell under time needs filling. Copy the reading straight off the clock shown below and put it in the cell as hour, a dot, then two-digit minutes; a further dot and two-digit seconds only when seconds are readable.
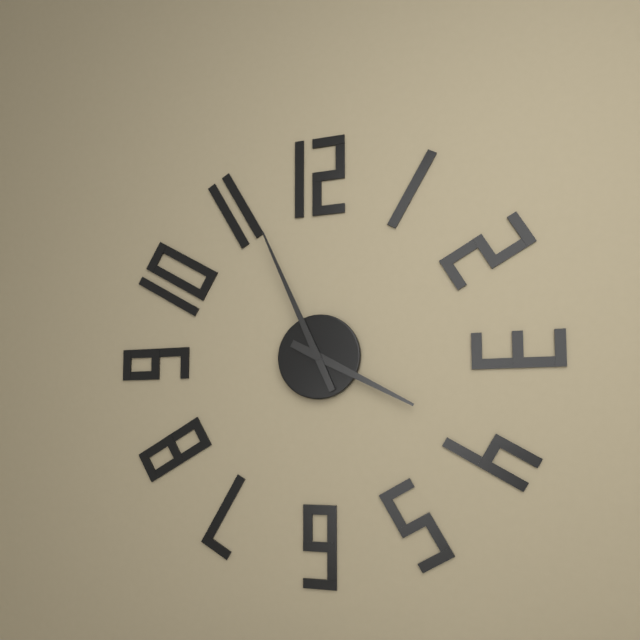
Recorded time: 3.56
